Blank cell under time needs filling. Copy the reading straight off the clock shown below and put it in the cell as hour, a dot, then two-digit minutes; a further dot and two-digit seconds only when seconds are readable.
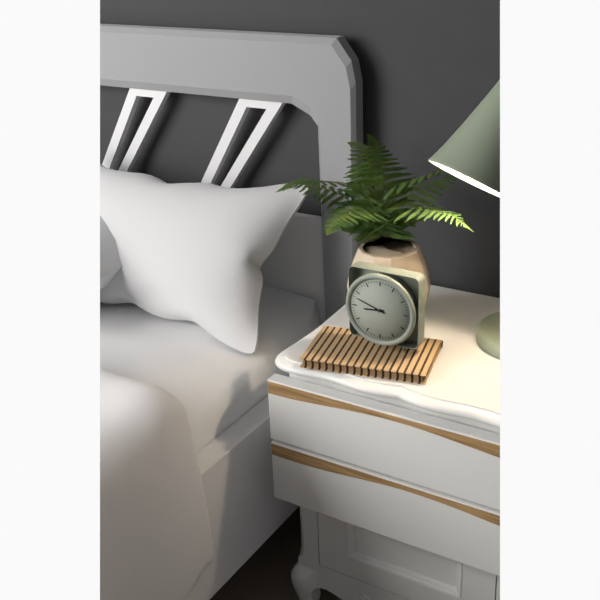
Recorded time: 8.48
